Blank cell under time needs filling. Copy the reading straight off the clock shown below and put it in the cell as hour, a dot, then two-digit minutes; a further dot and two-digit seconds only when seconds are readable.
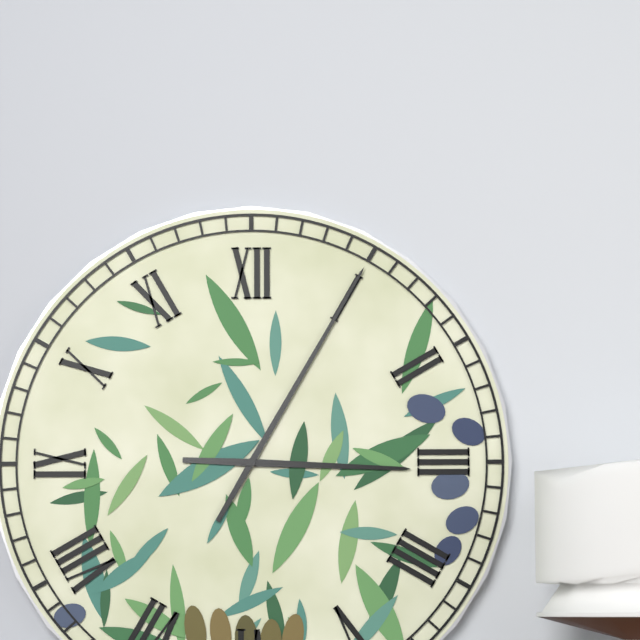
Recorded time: 3.05
